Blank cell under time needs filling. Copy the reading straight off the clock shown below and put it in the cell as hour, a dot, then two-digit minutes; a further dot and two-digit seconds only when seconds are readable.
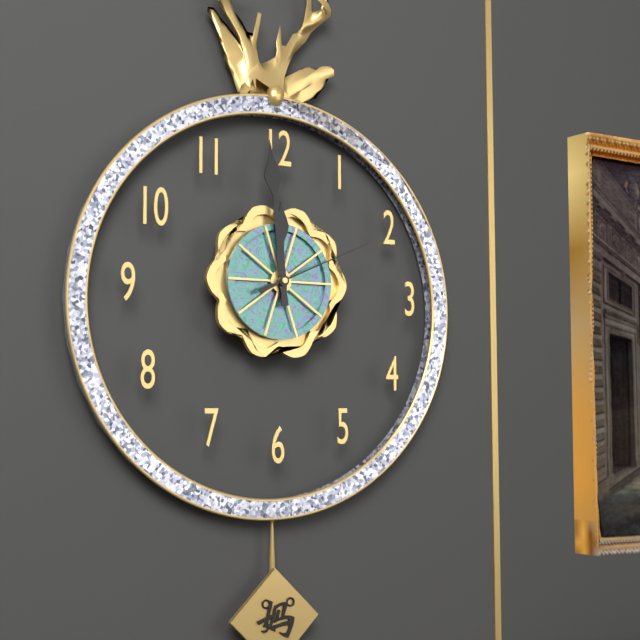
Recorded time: 11.59.11
